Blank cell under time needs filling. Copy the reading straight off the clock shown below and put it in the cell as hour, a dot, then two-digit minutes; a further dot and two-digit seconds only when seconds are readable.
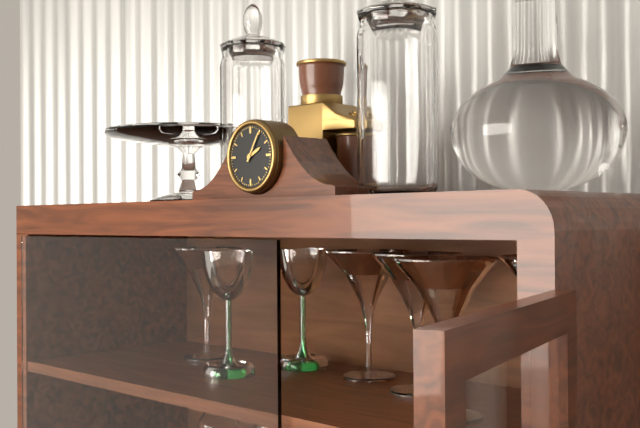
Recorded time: 2.05
